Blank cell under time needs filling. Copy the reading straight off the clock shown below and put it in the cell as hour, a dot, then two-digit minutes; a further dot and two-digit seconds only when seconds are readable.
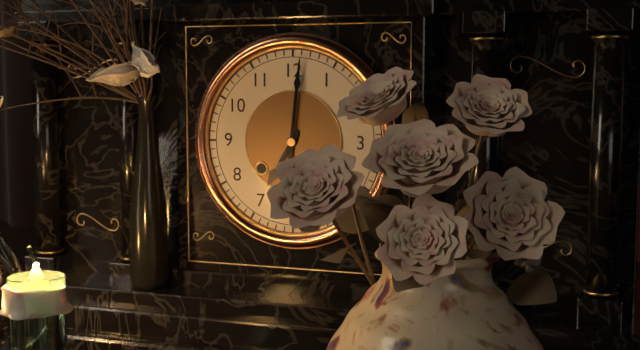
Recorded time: 7.01
